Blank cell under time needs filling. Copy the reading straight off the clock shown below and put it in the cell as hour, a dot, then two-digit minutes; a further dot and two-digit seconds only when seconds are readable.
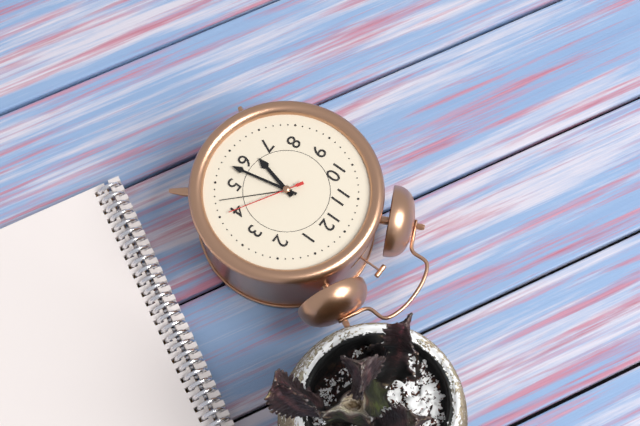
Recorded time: 6.28.20
